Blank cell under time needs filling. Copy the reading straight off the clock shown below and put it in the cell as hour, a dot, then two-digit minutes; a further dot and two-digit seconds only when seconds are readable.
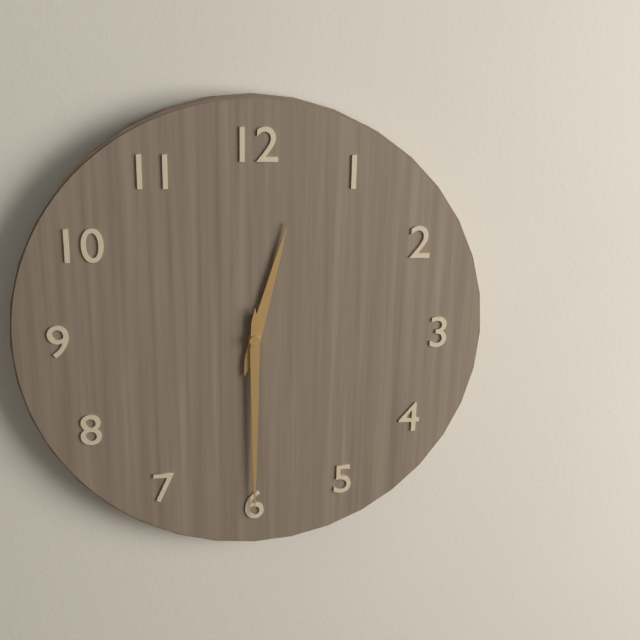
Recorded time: 12.30
